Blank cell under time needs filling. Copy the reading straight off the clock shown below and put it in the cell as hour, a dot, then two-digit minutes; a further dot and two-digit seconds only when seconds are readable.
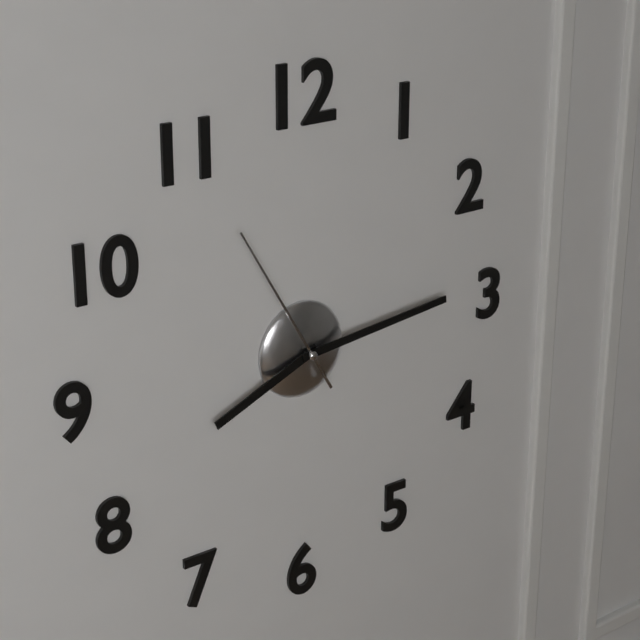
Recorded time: 8.14.55
